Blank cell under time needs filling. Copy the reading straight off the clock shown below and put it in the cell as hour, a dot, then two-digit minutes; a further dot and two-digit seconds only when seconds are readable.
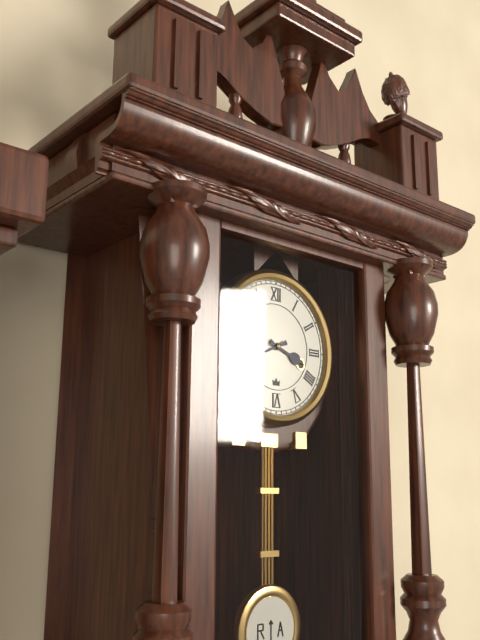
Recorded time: 3.41
